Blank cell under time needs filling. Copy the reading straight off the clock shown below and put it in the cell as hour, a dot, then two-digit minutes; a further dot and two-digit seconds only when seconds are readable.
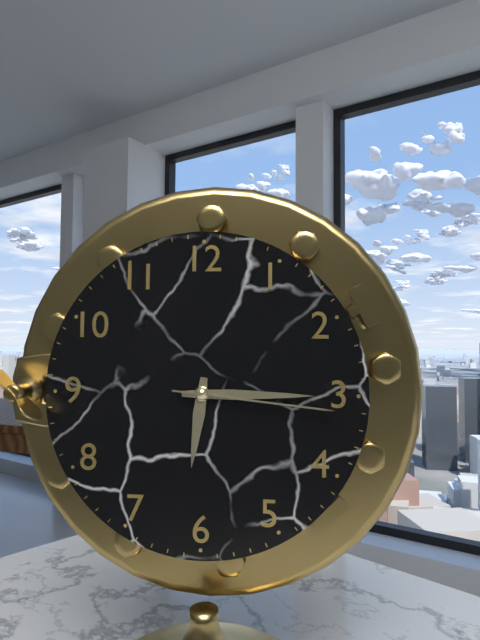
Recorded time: 6.15.16
